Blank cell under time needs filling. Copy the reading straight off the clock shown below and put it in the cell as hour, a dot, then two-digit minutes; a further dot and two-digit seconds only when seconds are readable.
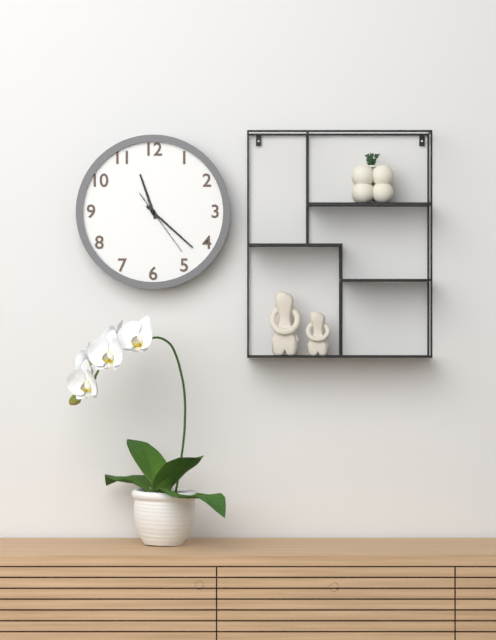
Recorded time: 11.22.24
